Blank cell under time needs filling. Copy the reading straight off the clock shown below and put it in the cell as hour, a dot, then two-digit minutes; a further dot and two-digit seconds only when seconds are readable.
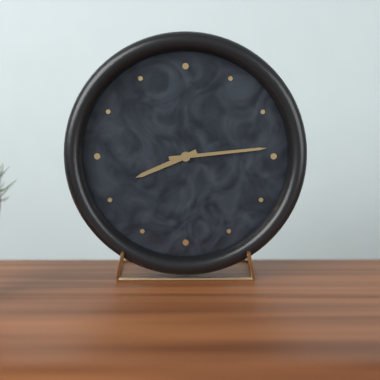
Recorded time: 8.14
